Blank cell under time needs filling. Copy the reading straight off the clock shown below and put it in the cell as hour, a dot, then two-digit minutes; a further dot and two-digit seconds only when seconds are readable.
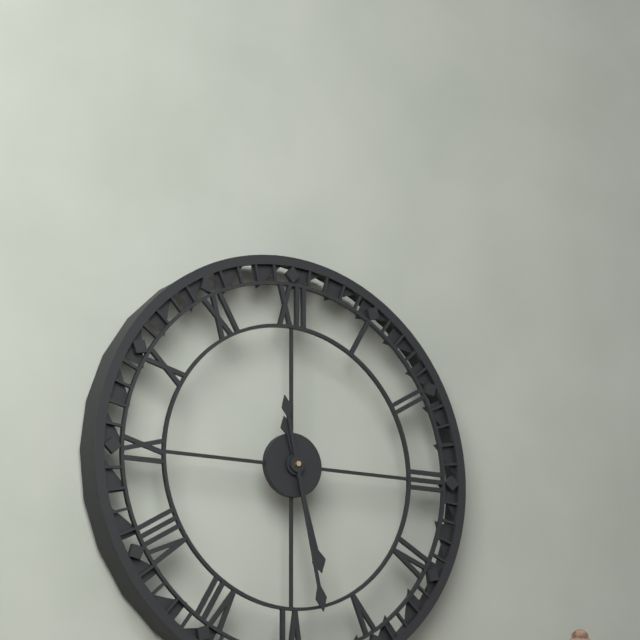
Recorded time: 5.28
